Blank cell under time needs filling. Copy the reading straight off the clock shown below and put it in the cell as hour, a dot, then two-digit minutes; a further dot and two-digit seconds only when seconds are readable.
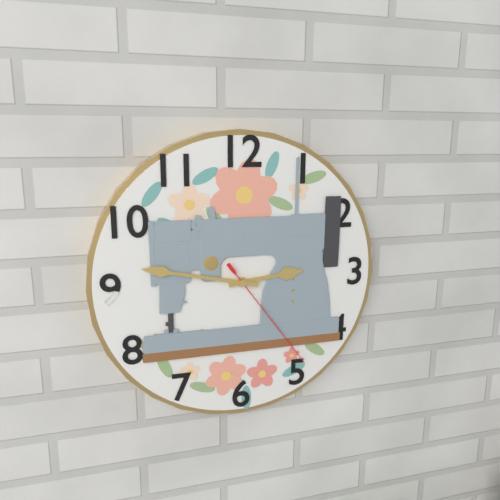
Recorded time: 2.47.24
